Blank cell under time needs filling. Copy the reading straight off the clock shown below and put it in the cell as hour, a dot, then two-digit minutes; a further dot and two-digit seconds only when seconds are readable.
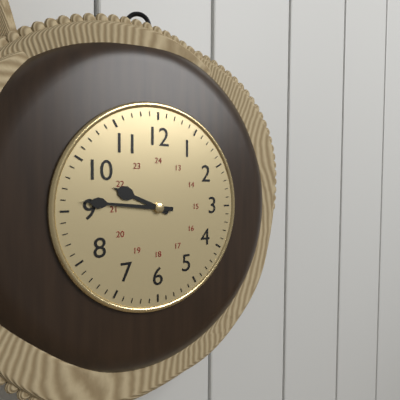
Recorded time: 9.46
